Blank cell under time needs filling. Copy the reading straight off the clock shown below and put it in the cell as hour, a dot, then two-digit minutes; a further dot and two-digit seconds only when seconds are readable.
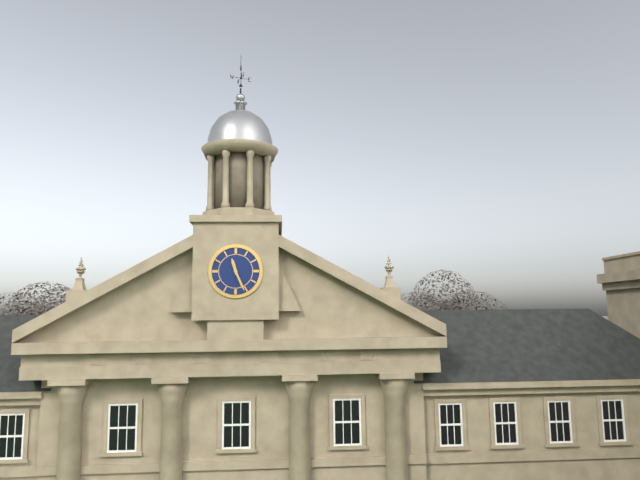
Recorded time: 11.26
